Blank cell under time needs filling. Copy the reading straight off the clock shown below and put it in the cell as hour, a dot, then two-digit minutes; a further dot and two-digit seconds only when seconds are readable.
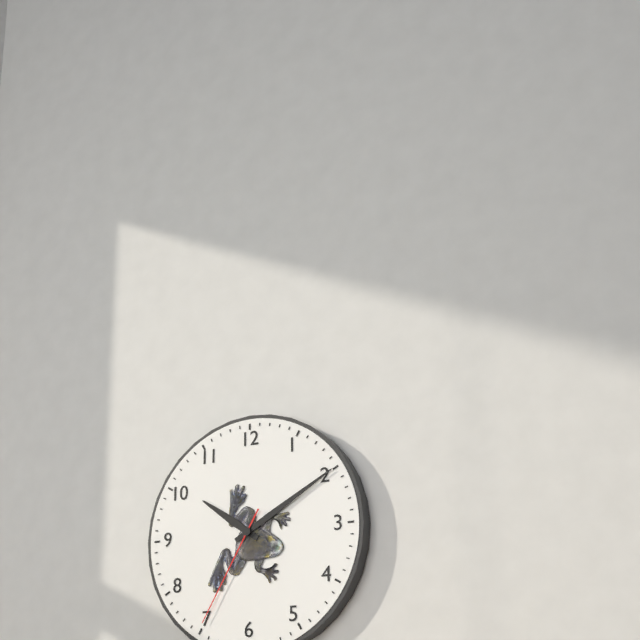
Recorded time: 10.10.35
